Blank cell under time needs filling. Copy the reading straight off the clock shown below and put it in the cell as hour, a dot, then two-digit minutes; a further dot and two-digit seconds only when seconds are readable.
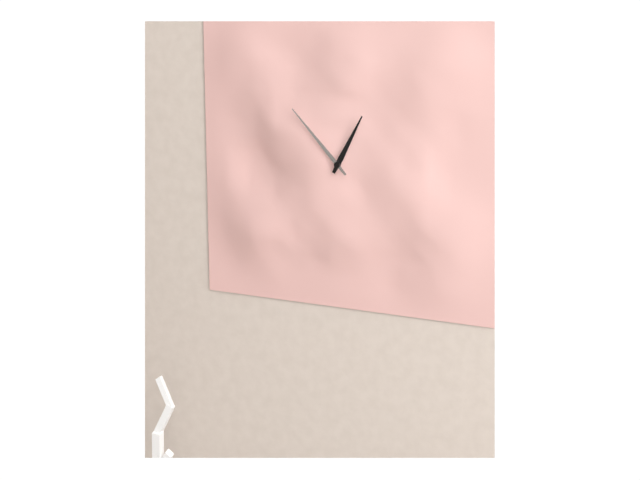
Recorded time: 12.53
